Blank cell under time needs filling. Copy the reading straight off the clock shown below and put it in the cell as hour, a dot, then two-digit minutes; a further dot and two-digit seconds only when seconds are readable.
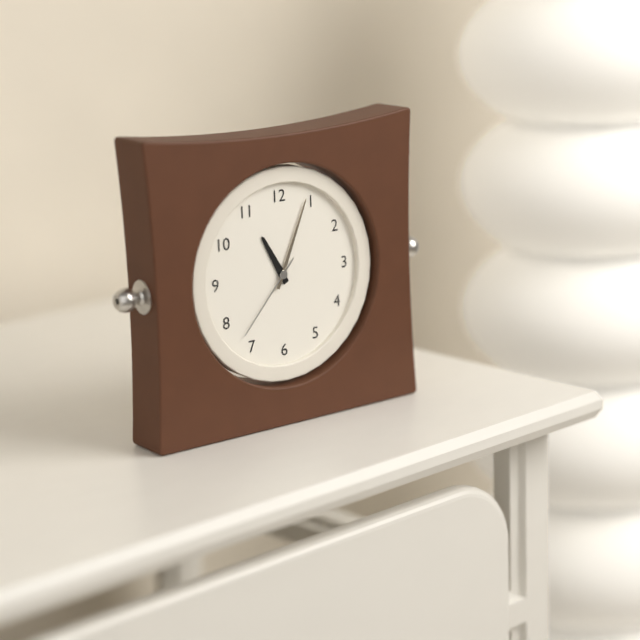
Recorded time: 11.04.37
